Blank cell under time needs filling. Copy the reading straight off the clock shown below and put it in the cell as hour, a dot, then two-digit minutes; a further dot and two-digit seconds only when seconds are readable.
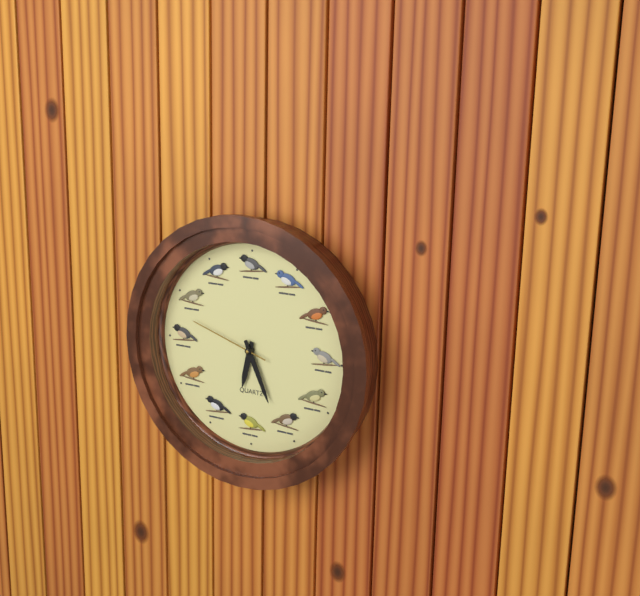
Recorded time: 6.26.48
